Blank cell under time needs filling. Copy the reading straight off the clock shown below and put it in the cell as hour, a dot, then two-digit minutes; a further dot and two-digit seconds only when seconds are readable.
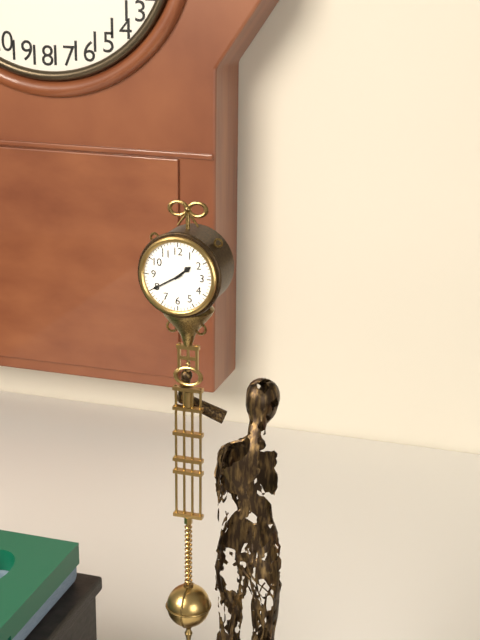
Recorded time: 1.40
